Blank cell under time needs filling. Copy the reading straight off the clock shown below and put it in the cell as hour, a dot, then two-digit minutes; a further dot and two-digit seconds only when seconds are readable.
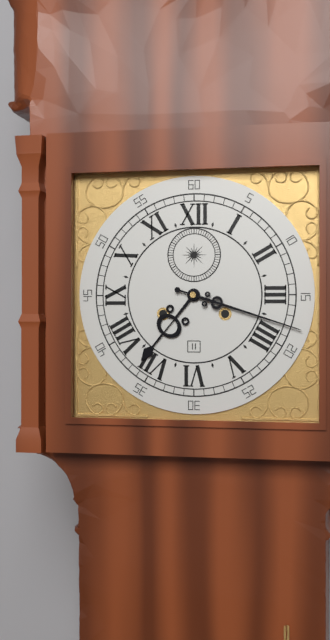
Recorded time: 7.18
